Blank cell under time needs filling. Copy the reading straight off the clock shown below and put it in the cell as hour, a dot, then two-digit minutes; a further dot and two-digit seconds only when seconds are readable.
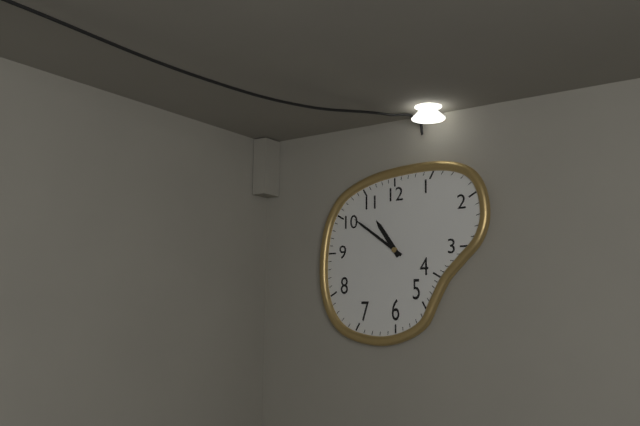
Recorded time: 10.51
